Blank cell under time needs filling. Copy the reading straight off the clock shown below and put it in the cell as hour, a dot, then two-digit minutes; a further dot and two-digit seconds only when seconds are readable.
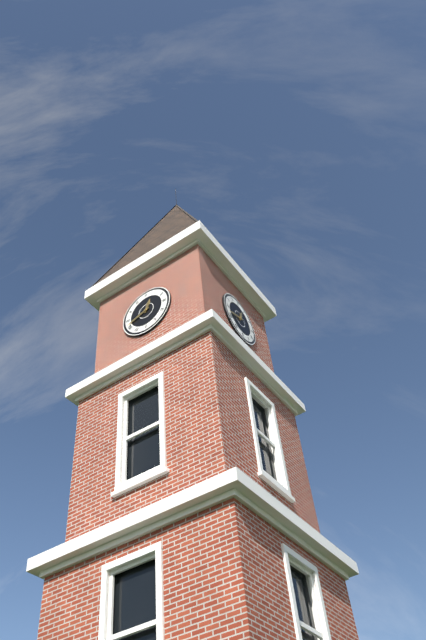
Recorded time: 12.42
